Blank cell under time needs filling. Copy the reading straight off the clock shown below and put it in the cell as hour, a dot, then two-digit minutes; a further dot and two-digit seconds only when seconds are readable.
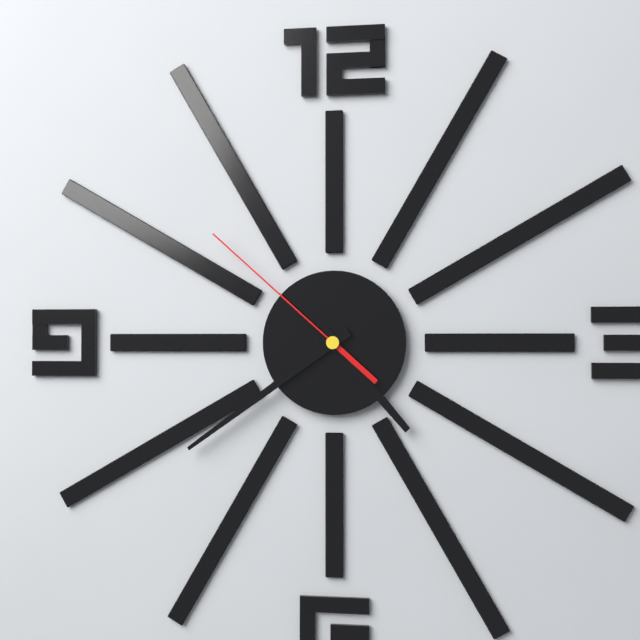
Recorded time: 4.39.52
